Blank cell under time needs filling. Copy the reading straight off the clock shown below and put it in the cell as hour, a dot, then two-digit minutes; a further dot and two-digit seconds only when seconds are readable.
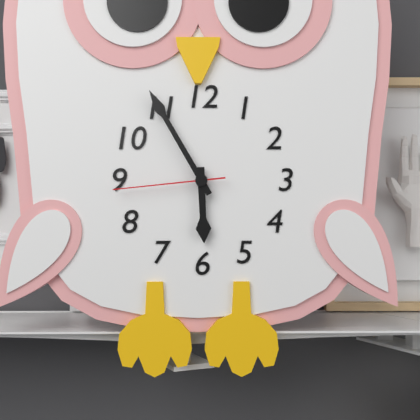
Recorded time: 5.55.44
